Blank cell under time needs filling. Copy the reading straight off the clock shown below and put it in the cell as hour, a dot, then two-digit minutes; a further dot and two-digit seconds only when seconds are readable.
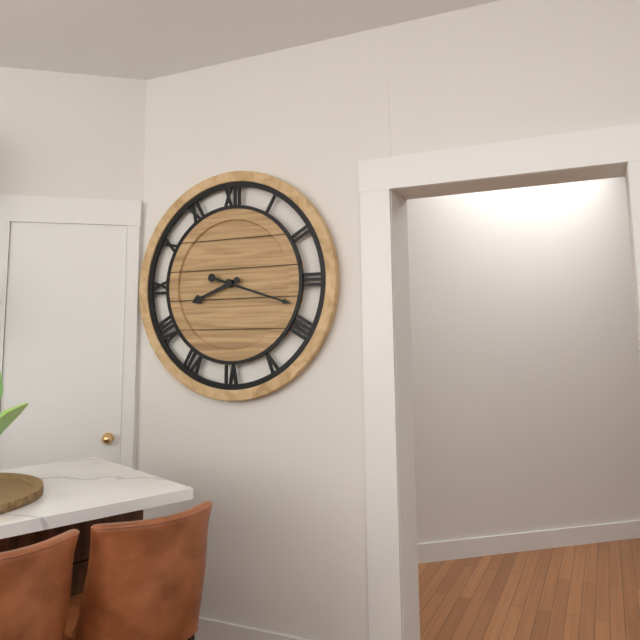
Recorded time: 8.18
